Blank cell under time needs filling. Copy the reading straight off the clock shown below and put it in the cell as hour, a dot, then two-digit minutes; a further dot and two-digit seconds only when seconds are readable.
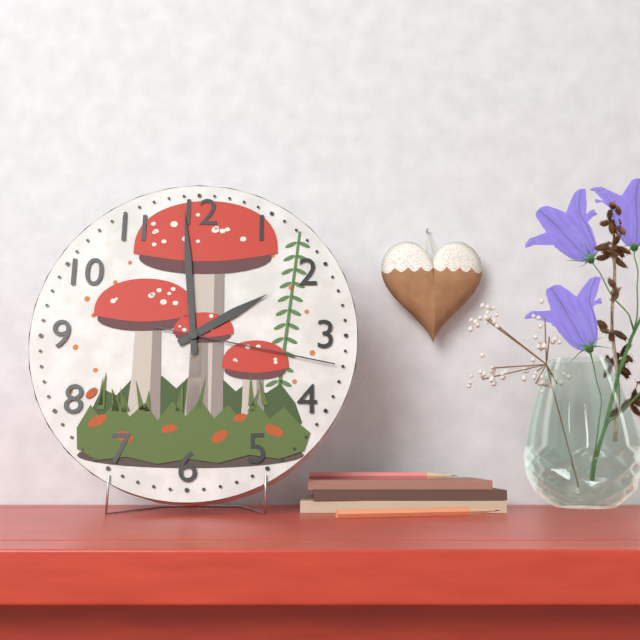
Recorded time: 1.59.17
